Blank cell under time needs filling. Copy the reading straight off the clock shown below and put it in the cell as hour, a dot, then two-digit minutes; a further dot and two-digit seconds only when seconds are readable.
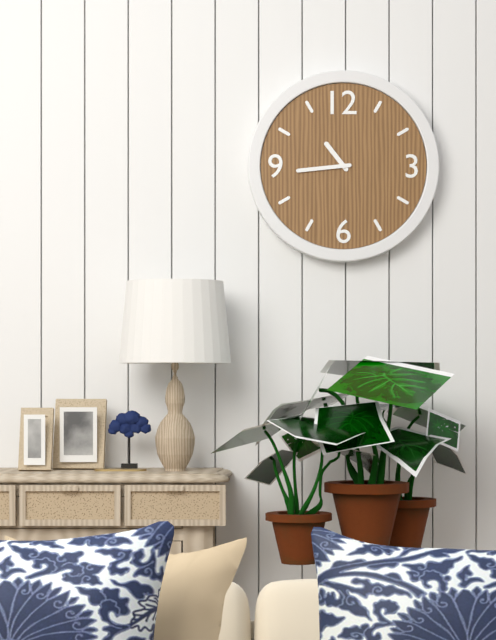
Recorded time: 10.44
